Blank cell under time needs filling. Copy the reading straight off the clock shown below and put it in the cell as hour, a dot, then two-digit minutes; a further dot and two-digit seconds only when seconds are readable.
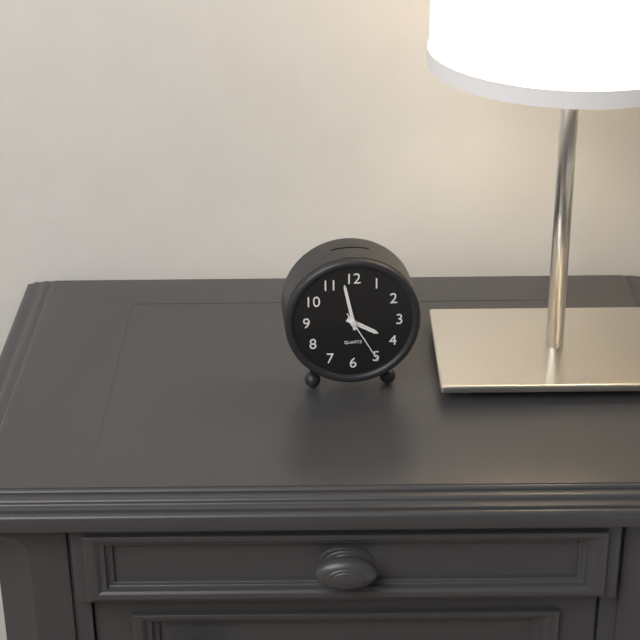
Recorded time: 3.58.25
